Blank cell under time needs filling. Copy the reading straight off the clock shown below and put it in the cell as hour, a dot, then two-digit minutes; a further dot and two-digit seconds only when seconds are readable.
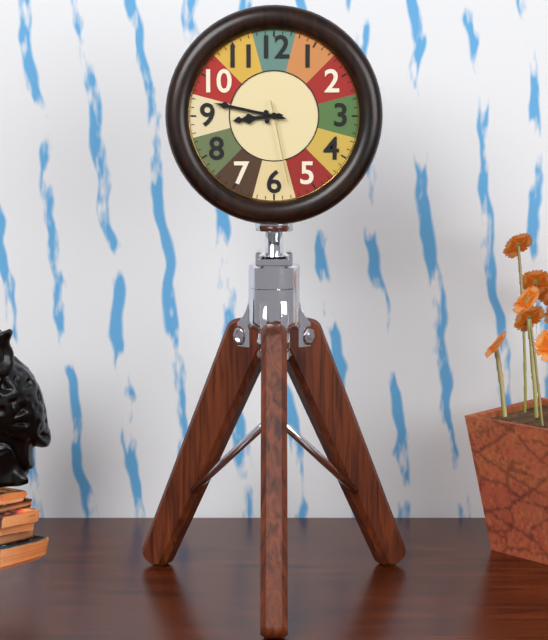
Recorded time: 8.47.28
